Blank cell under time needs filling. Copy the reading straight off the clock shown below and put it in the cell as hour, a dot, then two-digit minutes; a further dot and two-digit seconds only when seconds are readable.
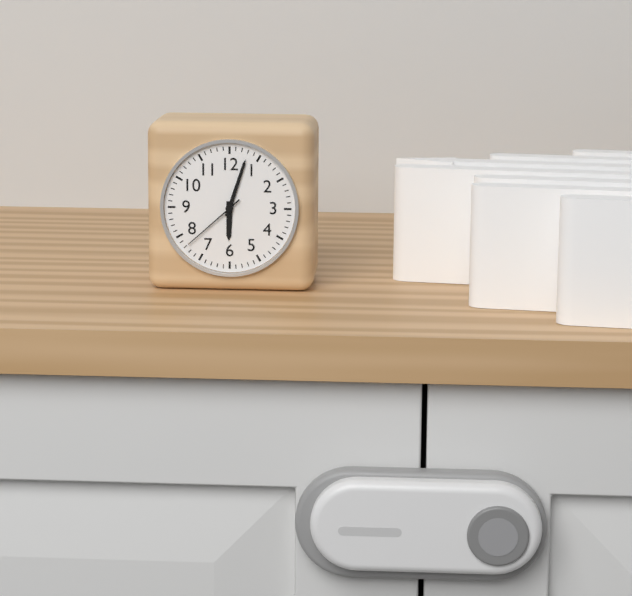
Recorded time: 6.03.38
